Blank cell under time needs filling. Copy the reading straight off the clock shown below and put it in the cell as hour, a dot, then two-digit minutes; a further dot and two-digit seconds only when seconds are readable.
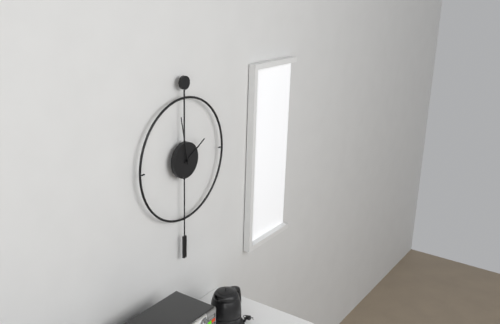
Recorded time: 1.58
